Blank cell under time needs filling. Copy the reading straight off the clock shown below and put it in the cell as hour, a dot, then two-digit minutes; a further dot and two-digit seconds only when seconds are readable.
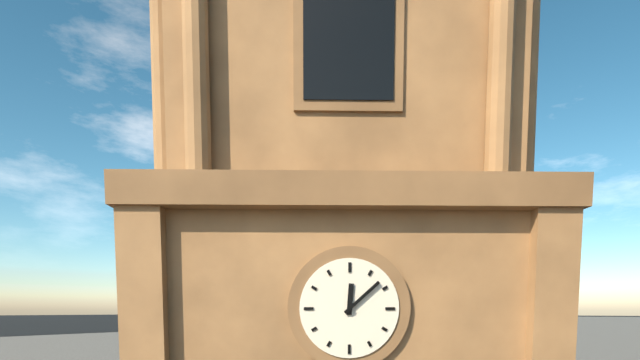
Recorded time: 12.08
